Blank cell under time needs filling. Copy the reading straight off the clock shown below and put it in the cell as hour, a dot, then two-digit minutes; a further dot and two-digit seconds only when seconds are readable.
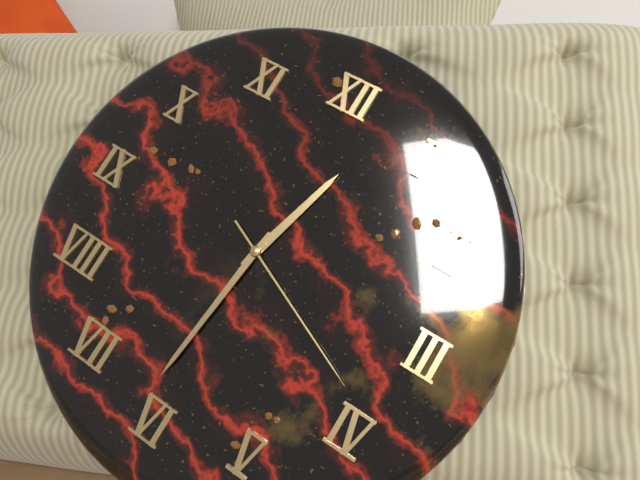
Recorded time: 12.31.19
